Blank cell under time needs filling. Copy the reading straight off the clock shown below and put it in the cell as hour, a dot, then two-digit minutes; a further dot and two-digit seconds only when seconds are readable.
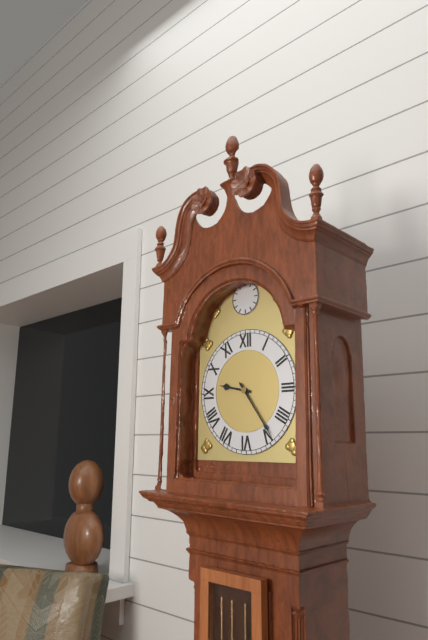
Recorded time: 9.24
